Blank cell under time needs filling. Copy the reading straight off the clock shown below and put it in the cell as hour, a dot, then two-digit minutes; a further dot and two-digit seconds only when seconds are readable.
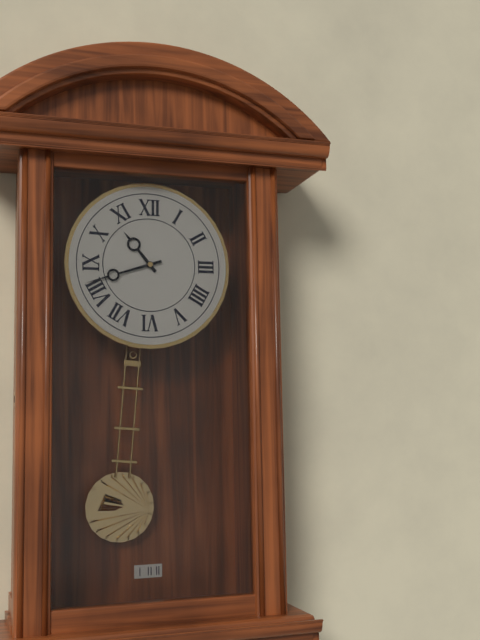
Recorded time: 10.42
